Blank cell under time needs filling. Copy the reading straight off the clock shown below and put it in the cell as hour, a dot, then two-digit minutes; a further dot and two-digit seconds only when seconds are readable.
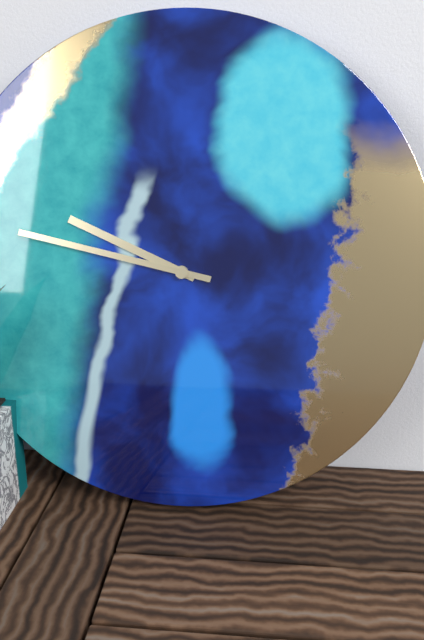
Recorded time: 9.47
